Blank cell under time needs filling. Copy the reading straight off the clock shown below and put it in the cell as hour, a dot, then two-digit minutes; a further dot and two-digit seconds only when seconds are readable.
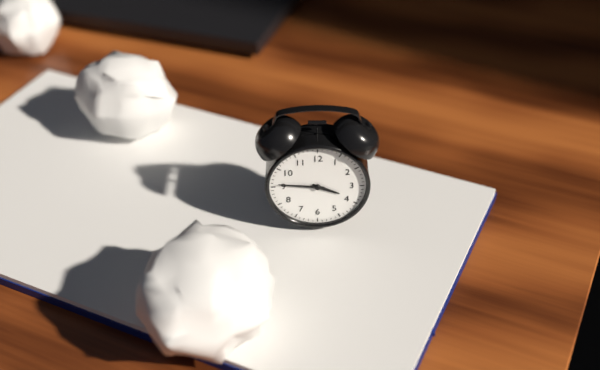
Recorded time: 3.46
